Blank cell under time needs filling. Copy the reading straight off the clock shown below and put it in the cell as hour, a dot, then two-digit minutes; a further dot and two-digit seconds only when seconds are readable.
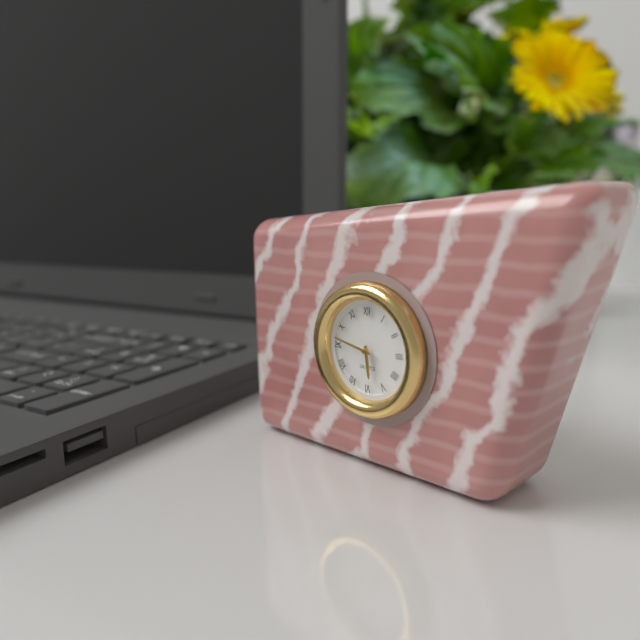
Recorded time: 5.47
